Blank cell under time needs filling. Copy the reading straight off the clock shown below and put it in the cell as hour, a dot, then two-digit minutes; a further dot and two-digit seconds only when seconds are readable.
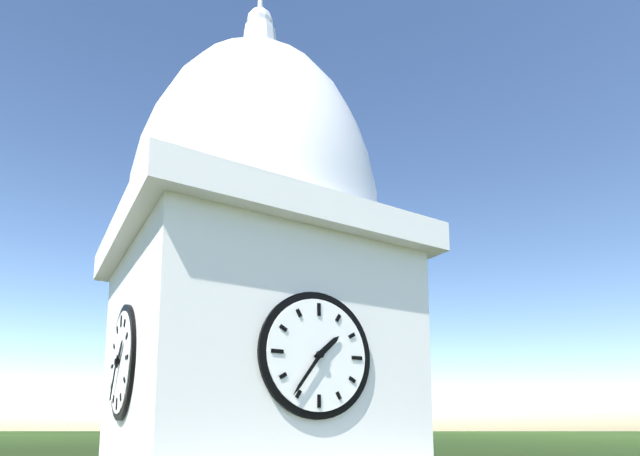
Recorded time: 1.36
